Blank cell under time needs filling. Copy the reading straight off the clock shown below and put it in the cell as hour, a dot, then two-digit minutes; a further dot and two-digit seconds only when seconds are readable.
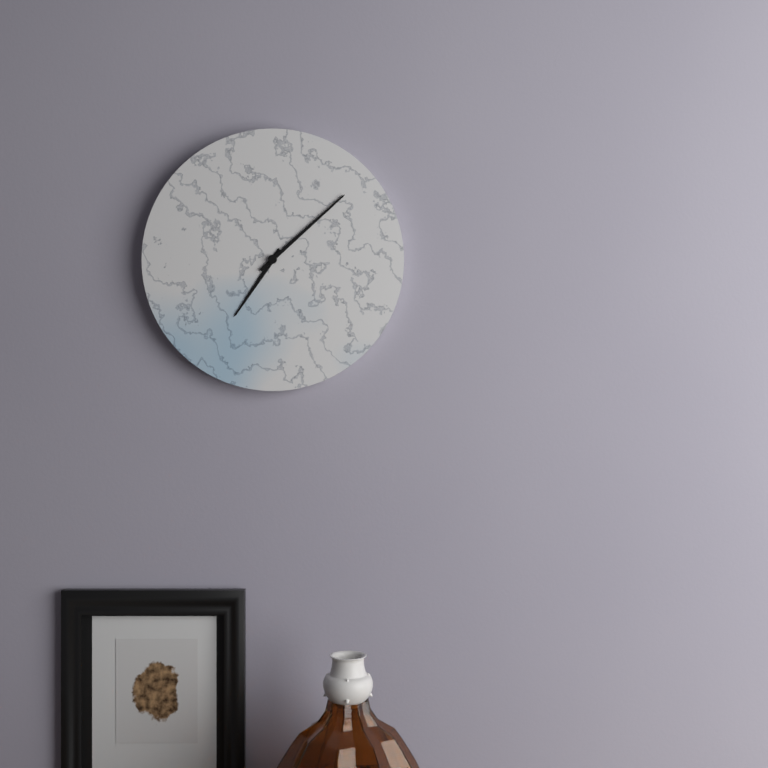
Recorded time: 7.08
